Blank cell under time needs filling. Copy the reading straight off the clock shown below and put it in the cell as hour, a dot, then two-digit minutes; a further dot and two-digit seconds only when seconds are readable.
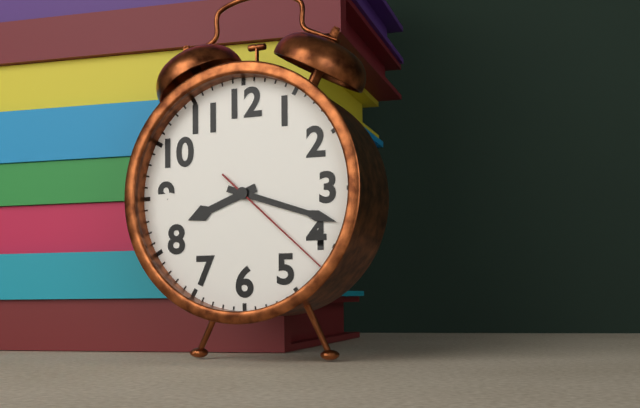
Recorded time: 8.18.22
